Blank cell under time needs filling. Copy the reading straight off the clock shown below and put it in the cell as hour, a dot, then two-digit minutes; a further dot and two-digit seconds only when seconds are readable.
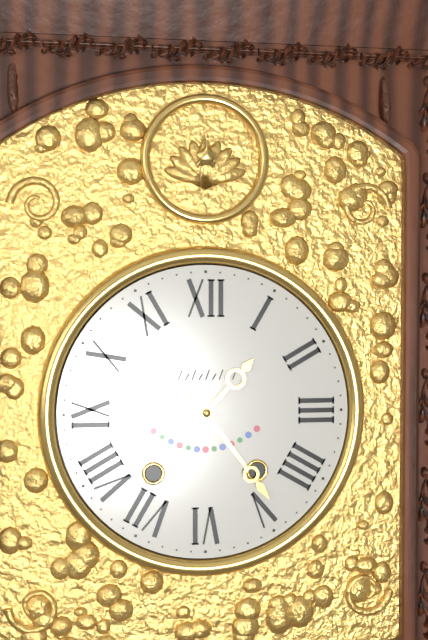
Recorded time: 1.24
